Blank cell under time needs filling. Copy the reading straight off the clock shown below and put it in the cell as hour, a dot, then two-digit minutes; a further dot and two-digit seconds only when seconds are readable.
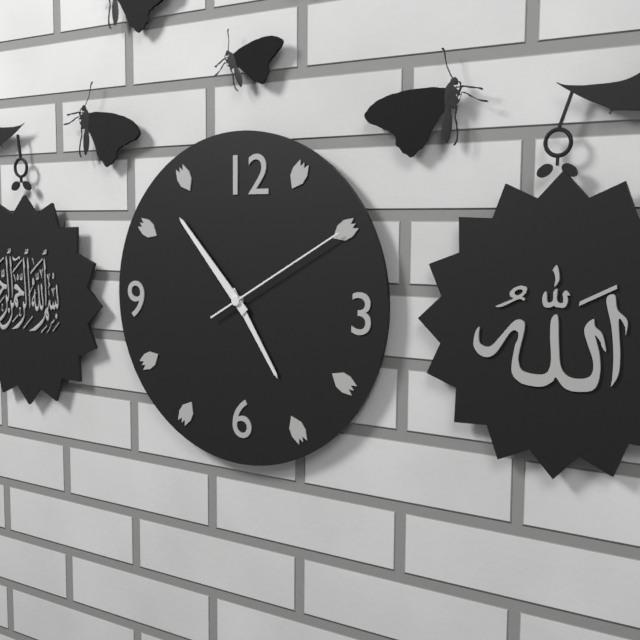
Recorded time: 4.53.10
